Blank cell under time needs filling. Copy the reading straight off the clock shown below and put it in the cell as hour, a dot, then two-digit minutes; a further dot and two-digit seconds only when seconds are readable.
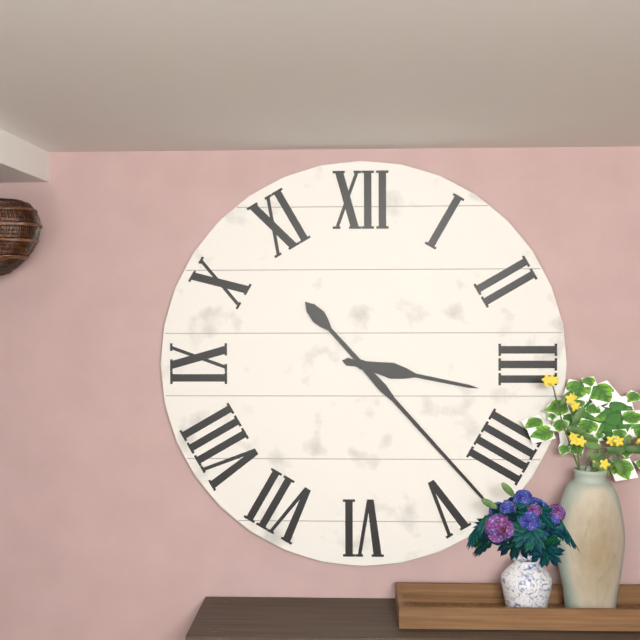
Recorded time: 3.23
